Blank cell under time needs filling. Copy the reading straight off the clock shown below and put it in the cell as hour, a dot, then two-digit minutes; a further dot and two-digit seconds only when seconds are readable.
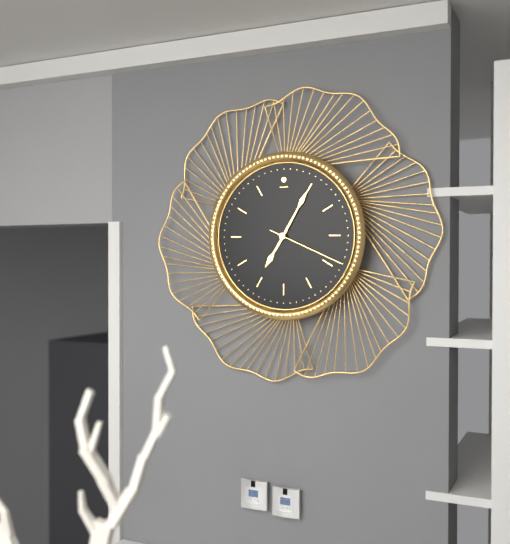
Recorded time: 7.05.19
